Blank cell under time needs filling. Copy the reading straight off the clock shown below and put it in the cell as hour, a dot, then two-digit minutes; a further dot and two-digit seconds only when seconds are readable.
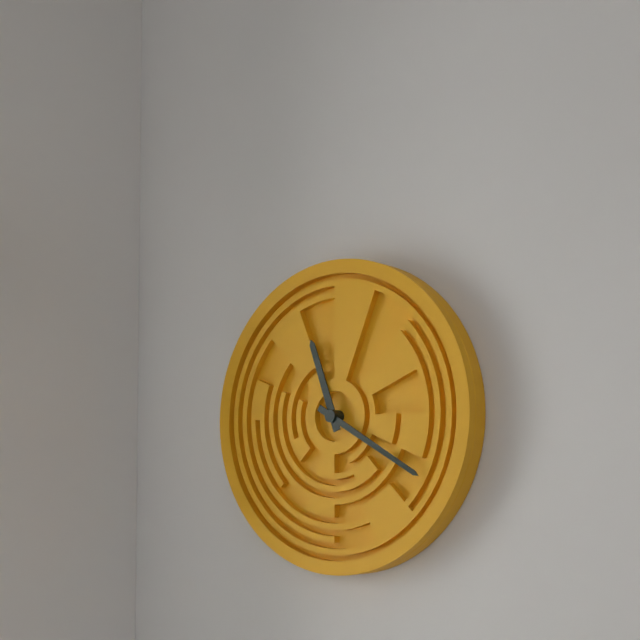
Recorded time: 11.20
